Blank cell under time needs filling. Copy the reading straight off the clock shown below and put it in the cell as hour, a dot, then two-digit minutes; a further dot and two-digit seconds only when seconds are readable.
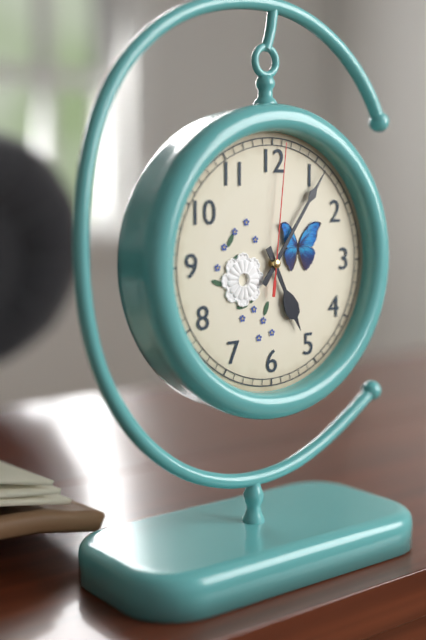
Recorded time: 5.06.01
